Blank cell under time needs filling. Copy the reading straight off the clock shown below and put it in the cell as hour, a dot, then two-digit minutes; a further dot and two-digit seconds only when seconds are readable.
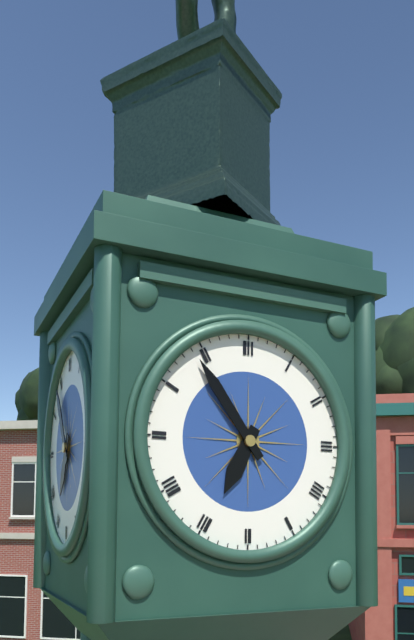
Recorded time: 6.54
